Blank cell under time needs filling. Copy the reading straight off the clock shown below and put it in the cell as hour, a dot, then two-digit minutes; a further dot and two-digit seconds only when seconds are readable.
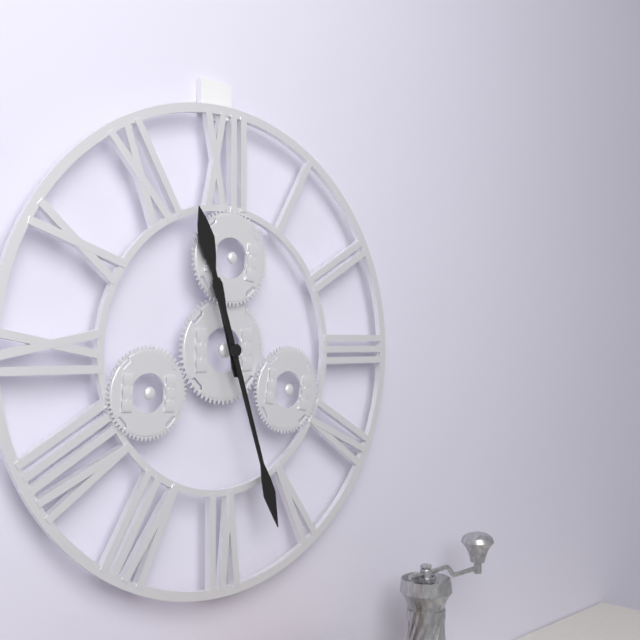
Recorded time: 11.27
